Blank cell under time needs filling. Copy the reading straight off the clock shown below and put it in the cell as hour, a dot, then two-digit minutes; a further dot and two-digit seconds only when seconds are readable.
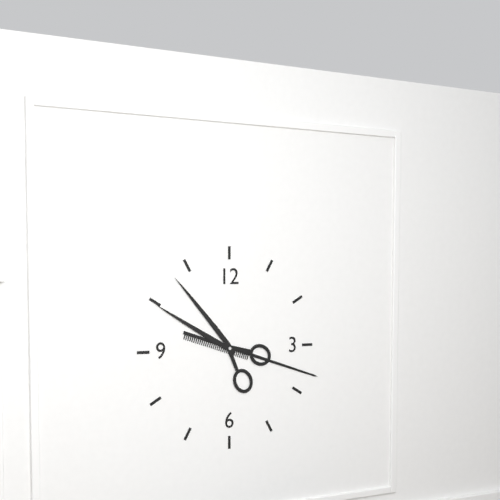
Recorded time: 10.18
